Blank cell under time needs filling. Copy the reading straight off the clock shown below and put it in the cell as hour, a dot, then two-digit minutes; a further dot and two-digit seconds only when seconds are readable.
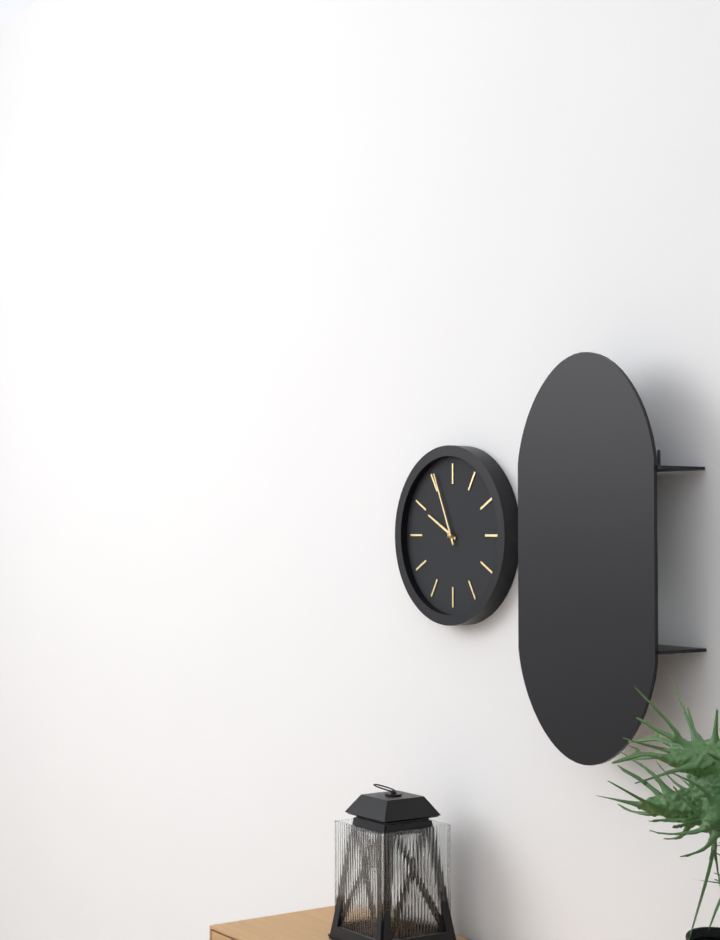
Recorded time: 9.56
